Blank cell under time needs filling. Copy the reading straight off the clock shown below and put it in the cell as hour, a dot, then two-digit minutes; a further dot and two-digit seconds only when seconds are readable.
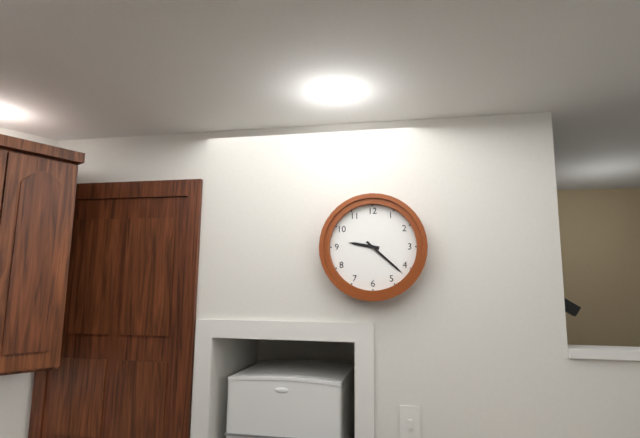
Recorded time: 9.22
